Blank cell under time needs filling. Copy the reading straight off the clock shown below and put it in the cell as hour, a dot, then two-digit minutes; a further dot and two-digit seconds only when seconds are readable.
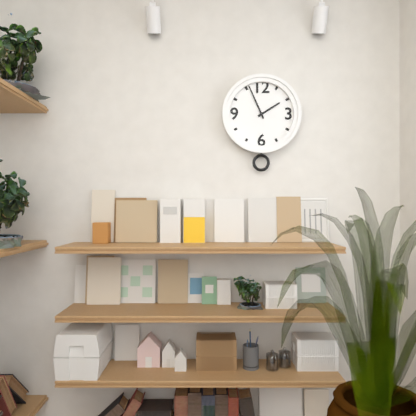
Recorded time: 1.56
